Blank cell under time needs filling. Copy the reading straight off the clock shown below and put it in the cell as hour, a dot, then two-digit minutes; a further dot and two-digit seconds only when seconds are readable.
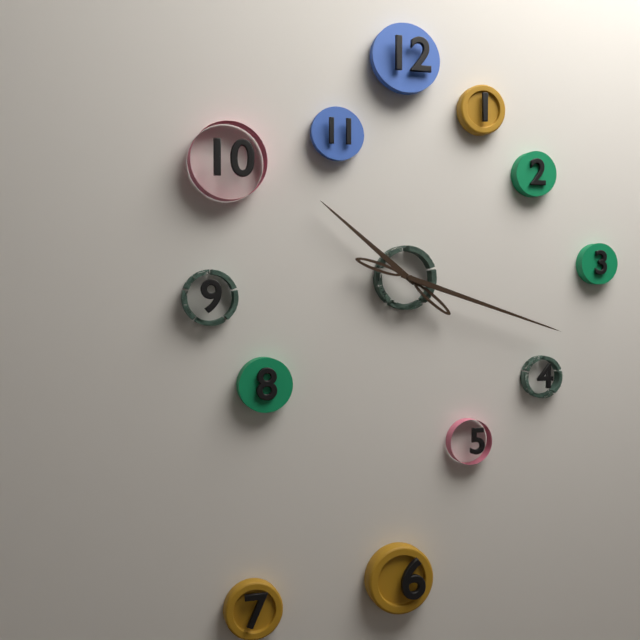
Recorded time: 10.18
